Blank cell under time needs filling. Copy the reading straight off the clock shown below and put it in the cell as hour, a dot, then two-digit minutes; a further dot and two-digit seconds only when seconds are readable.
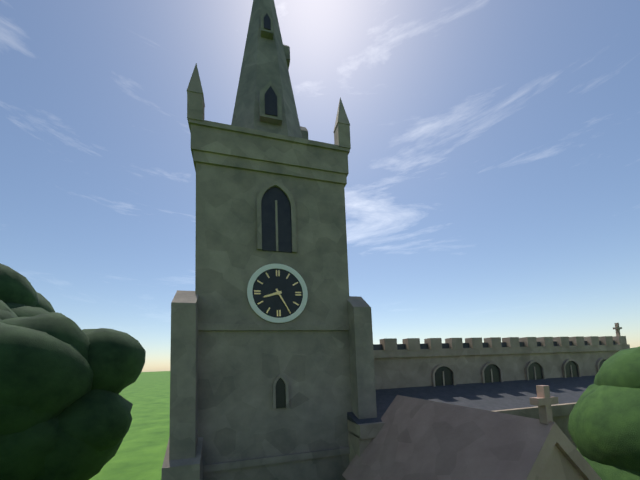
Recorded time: 8.25
